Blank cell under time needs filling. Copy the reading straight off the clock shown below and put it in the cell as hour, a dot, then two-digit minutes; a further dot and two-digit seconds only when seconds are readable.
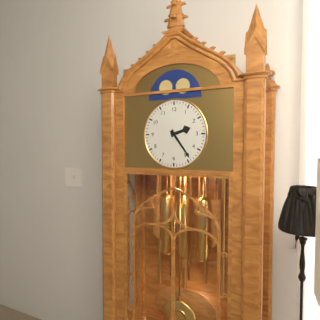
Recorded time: 2.24
